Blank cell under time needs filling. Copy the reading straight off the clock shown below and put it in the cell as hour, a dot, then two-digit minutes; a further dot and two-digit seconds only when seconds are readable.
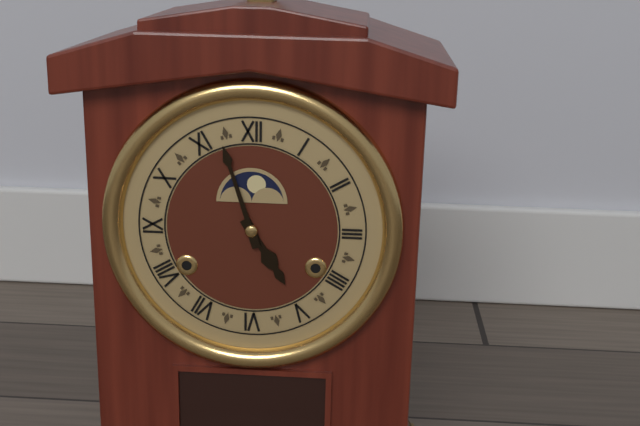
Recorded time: 4.57
